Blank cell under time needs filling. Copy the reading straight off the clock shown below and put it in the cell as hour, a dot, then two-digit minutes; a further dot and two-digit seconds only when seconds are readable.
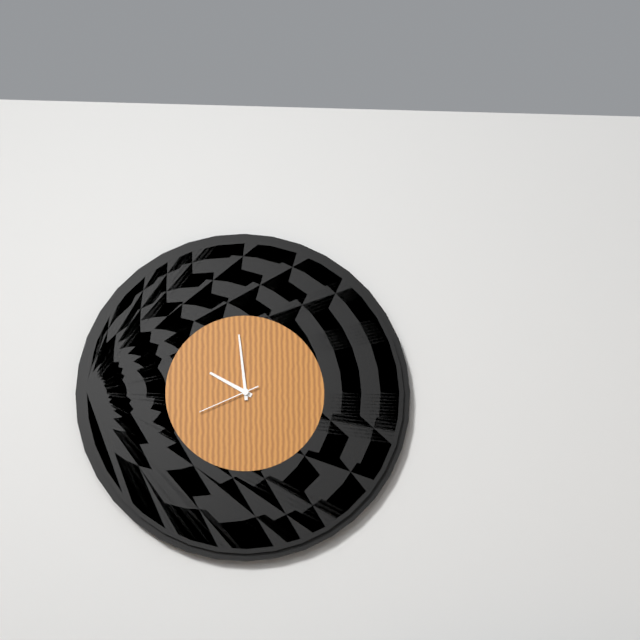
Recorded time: 9.59.41
